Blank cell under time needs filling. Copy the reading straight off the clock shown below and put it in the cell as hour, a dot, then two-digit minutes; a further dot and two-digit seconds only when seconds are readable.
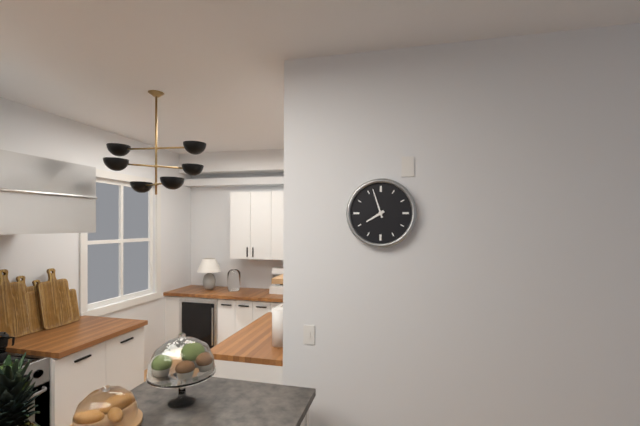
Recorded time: 7.57
